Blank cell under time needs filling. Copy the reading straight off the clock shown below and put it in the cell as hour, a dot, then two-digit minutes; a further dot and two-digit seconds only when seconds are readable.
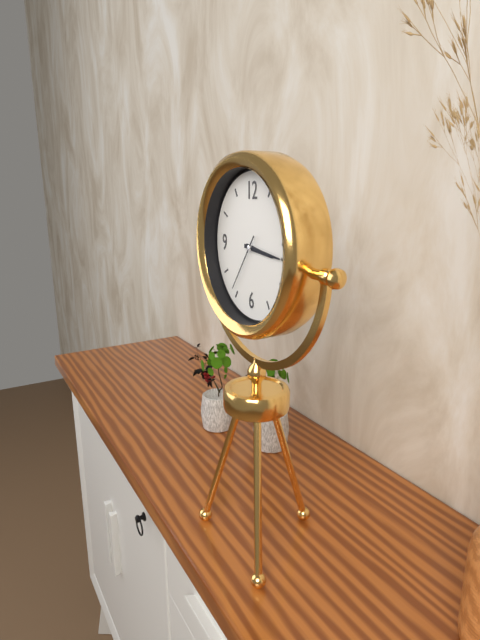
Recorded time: 3.16.36
